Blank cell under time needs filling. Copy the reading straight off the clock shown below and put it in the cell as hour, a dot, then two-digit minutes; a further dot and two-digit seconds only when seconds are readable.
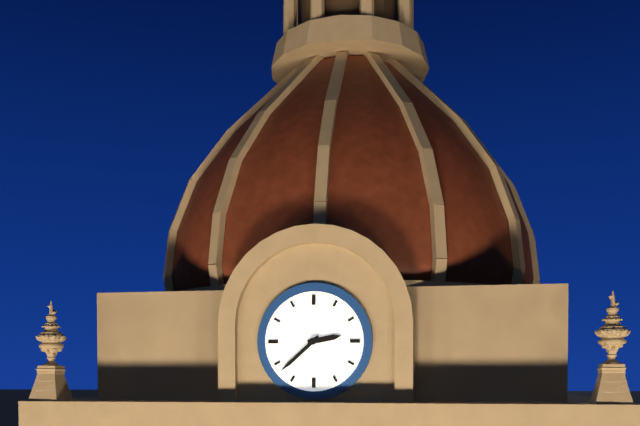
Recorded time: 2.38
